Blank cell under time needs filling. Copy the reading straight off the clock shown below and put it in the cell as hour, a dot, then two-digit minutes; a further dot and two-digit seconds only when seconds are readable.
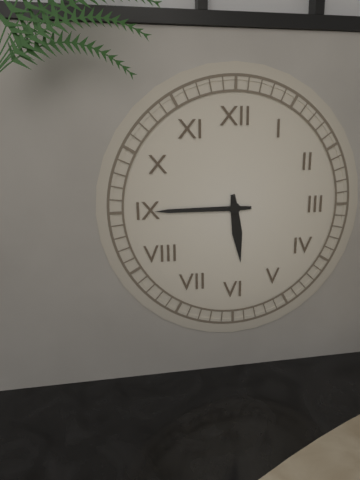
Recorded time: 5.45
